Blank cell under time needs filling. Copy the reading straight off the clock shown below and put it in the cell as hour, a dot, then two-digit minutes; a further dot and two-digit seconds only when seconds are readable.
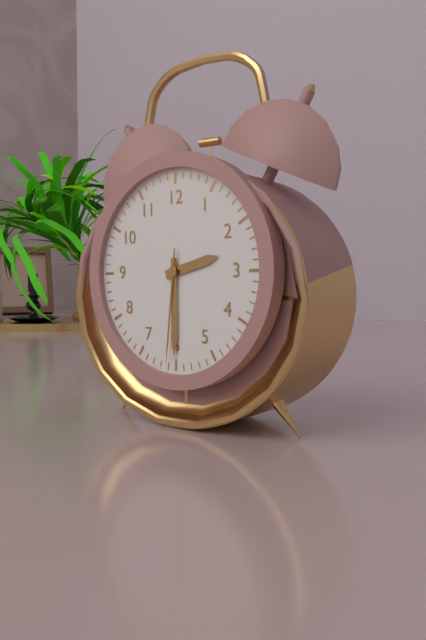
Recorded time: 2.30.31
